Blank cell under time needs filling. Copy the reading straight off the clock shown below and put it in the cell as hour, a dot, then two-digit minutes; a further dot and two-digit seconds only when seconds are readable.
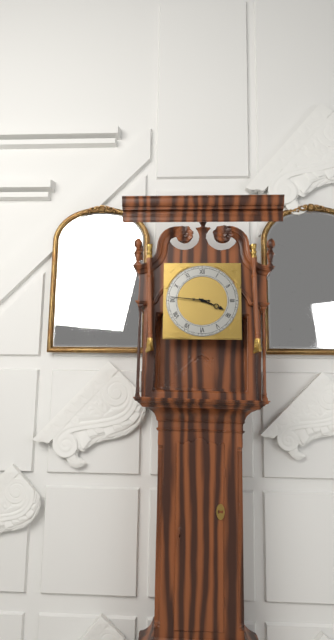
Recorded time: 3.46
